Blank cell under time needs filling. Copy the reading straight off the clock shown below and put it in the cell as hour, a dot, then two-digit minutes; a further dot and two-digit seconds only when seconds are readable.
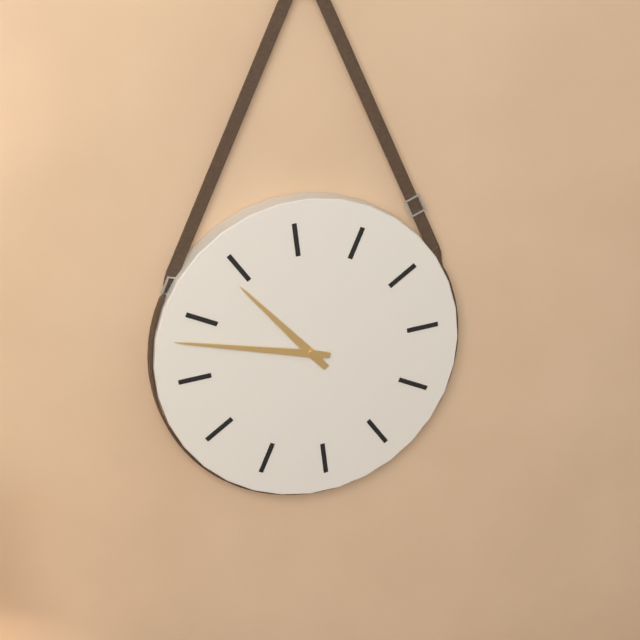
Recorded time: 10.48
